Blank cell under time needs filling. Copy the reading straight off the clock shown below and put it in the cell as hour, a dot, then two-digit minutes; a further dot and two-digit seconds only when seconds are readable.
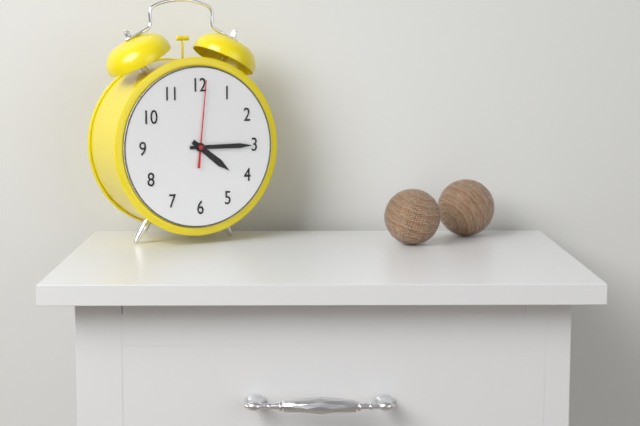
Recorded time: 4.15.01
